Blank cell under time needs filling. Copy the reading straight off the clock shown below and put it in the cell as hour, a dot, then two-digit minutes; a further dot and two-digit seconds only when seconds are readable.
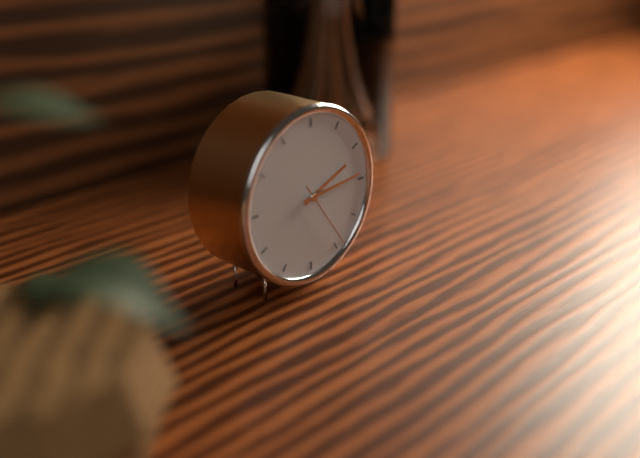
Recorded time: 2.14.24
